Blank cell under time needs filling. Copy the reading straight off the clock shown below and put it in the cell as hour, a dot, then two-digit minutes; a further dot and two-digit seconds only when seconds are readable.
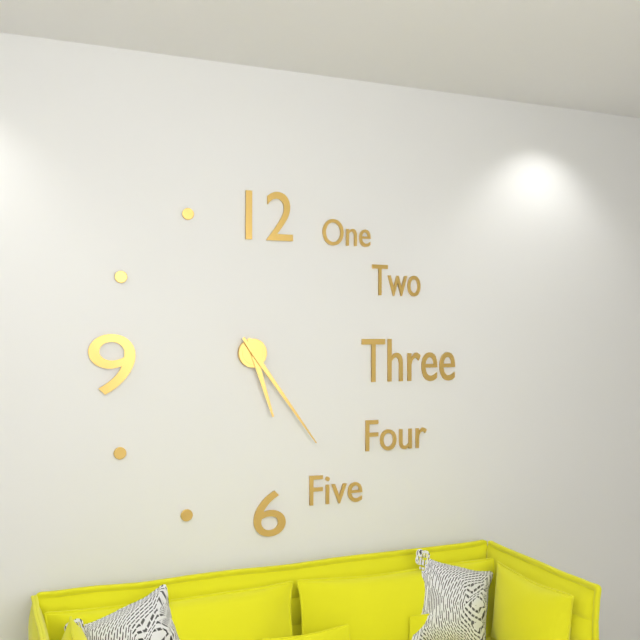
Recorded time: 5.24
